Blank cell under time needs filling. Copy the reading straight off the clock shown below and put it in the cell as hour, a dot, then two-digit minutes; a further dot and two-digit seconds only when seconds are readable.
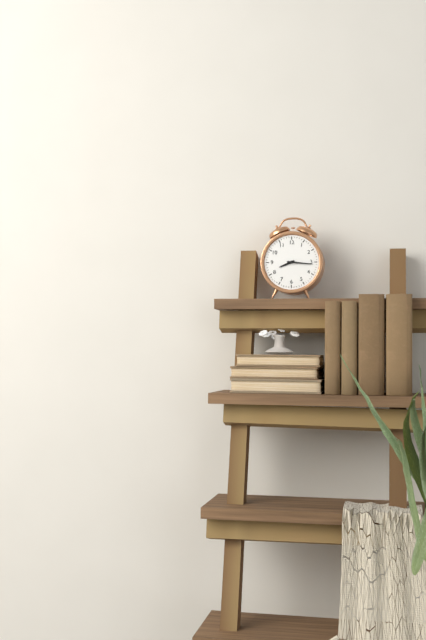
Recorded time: 8.16
